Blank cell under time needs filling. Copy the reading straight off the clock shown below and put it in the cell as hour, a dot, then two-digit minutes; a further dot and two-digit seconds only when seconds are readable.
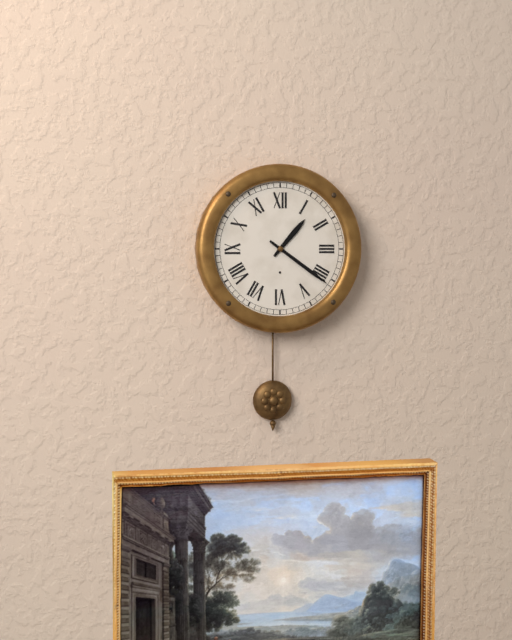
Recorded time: 1.21
